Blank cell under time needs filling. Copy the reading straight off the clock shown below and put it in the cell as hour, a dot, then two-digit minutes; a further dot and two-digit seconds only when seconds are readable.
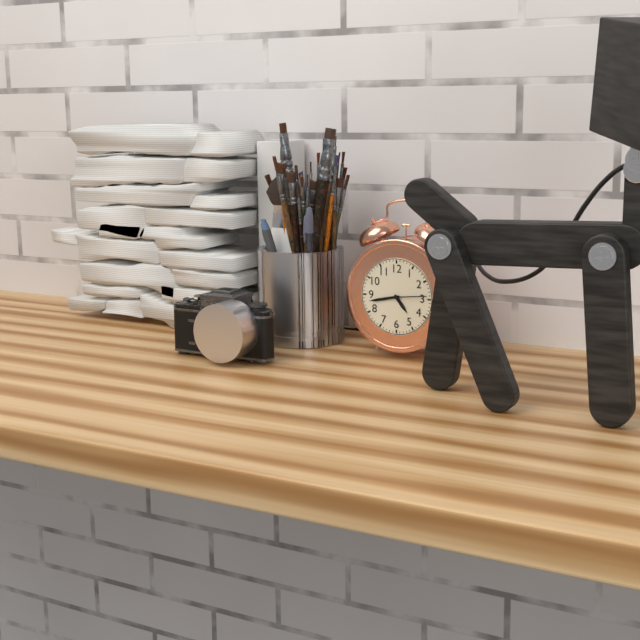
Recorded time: 4.43
